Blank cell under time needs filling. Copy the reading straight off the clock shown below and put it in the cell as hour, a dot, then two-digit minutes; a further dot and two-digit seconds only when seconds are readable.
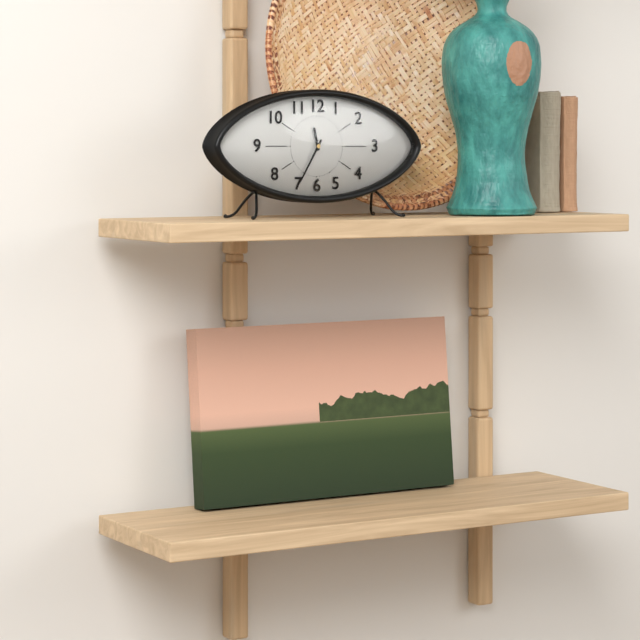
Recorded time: 11.35
